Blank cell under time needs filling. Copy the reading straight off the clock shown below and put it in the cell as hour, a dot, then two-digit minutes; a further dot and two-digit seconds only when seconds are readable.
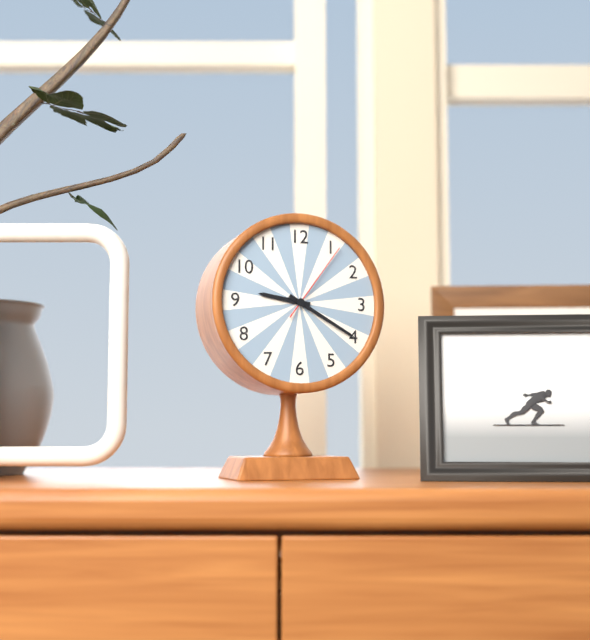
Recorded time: 9.20.06
